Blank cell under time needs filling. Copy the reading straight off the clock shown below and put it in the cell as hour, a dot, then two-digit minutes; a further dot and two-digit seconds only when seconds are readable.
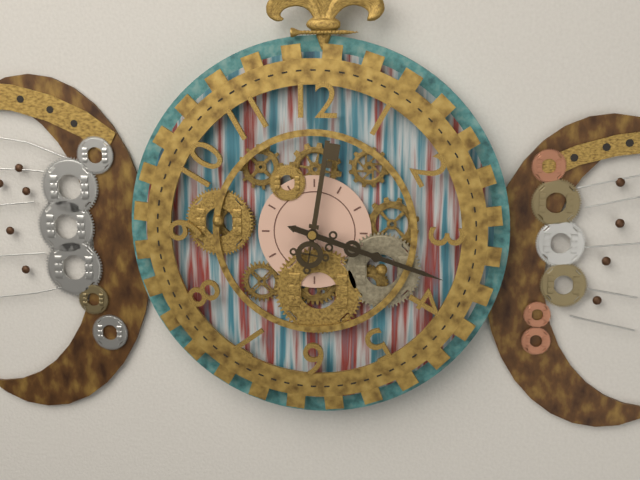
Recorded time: 12.18
